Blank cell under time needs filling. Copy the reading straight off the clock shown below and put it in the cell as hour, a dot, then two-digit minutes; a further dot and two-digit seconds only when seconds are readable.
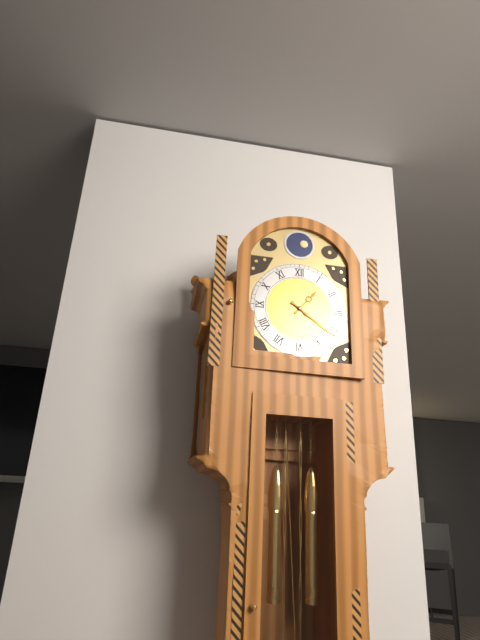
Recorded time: 1.21
